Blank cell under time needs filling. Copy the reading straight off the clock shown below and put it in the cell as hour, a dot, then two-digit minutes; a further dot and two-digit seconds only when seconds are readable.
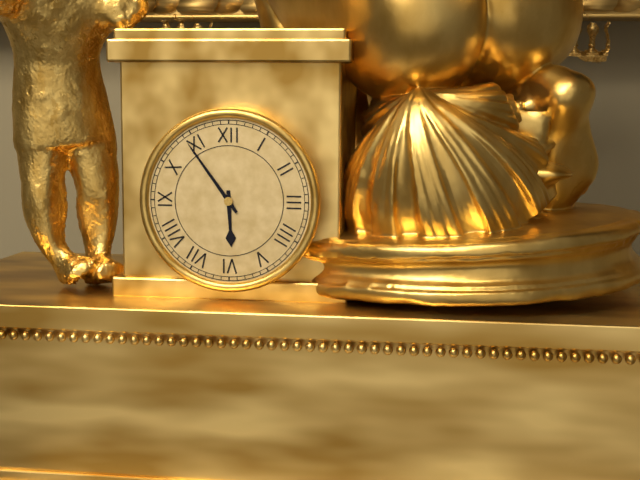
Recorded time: 5.54
